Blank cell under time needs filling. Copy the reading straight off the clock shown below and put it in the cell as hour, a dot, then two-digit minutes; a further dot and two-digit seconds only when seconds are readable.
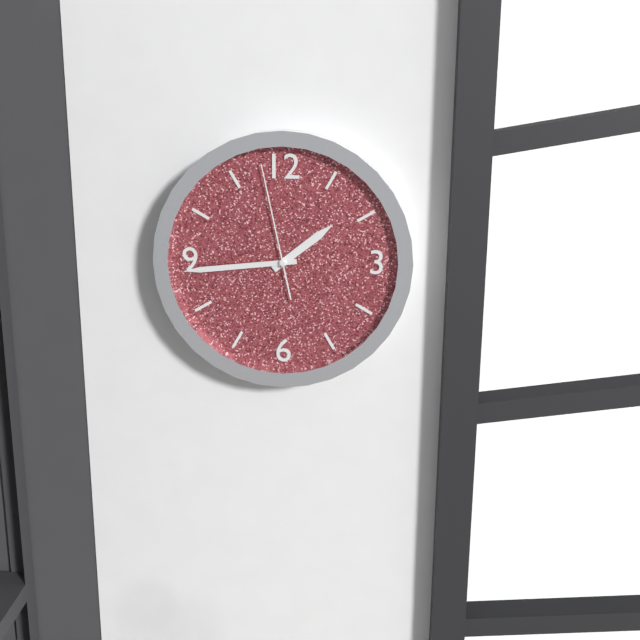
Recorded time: 1.44.58
